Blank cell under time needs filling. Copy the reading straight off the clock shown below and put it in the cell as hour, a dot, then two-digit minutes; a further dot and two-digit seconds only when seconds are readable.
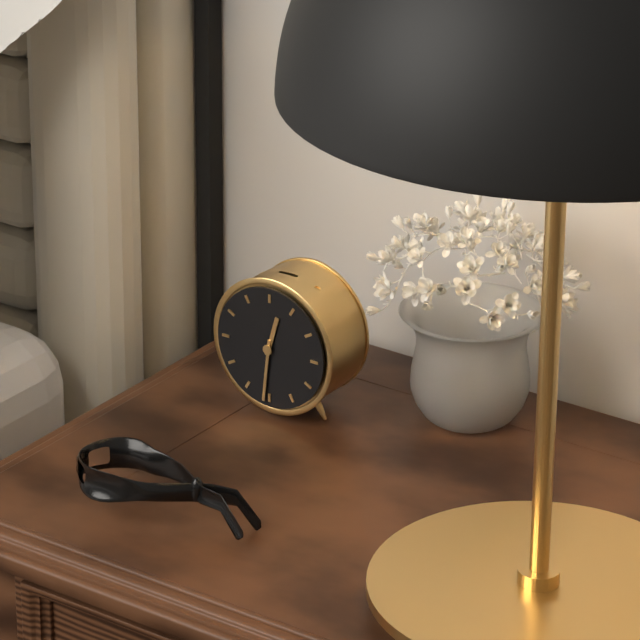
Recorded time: 12.31
